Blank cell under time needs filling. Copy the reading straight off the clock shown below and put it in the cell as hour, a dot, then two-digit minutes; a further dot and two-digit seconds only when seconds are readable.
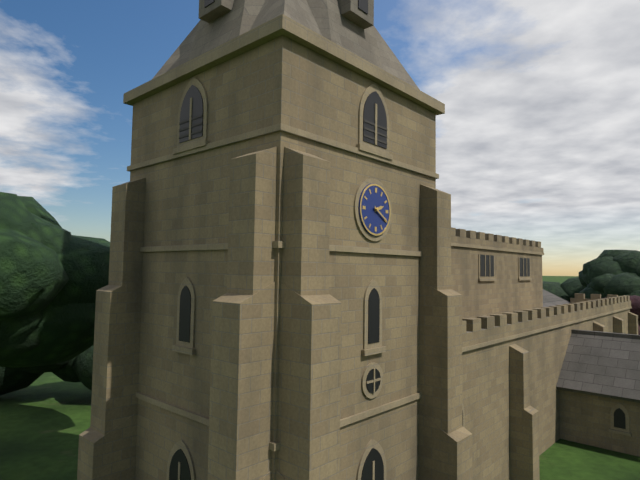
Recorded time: 2.20
